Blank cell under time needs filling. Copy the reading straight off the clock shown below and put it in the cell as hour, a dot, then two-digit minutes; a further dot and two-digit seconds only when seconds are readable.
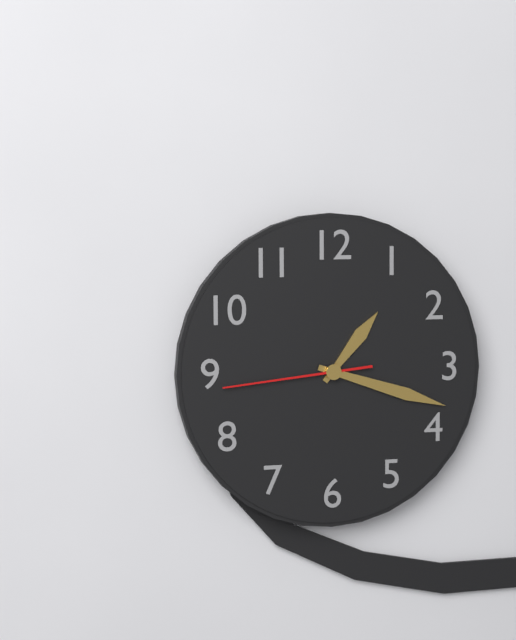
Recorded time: 1.18.44
